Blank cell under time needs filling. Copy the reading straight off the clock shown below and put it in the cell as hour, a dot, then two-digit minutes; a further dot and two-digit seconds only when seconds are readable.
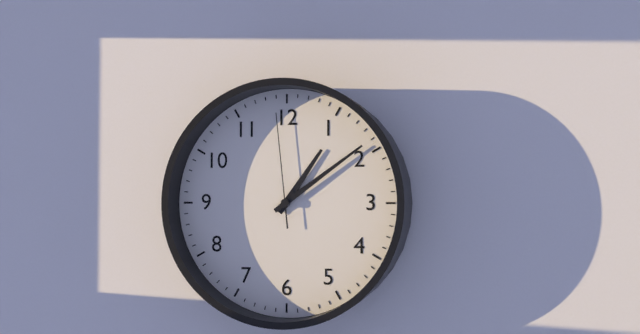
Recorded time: 1.09.59
